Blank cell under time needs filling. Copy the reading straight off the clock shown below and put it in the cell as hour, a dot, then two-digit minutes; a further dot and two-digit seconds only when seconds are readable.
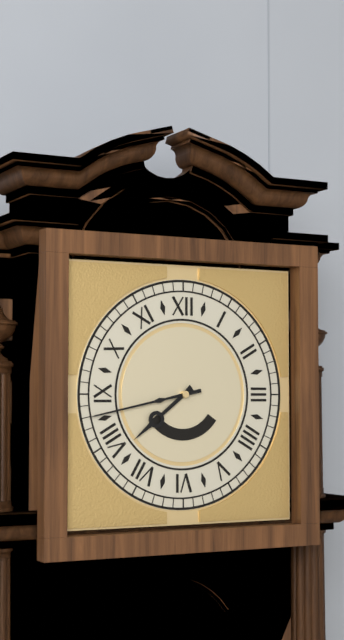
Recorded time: 7.43
